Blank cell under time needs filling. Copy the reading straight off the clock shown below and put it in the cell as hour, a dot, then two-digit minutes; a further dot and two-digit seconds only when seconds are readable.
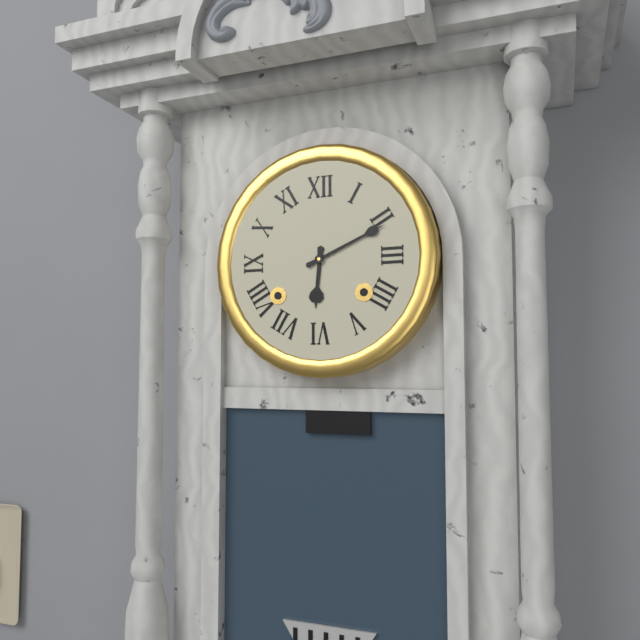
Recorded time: 6.11
